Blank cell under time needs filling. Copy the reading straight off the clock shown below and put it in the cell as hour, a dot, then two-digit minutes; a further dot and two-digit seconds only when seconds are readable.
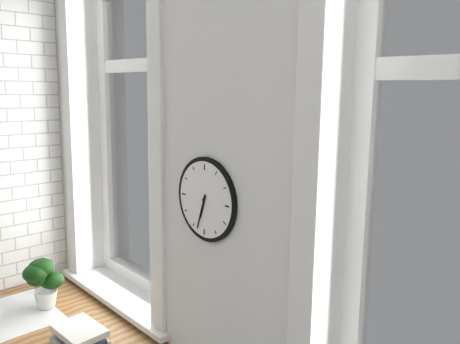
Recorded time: 6.33
